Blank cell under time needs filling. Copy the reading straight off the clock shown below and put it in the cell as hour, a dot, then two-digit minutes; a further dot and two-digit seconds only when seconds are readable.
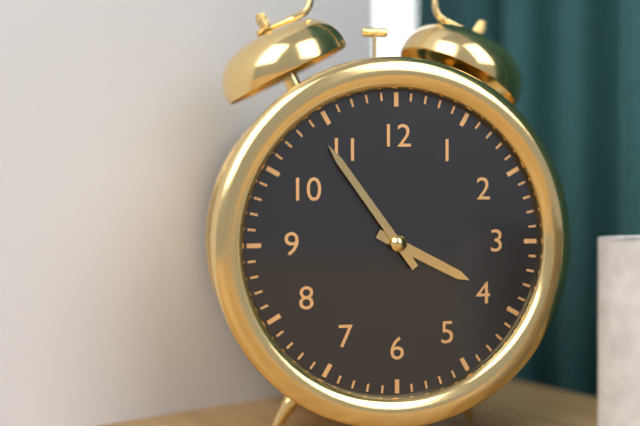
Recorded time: 3.54
